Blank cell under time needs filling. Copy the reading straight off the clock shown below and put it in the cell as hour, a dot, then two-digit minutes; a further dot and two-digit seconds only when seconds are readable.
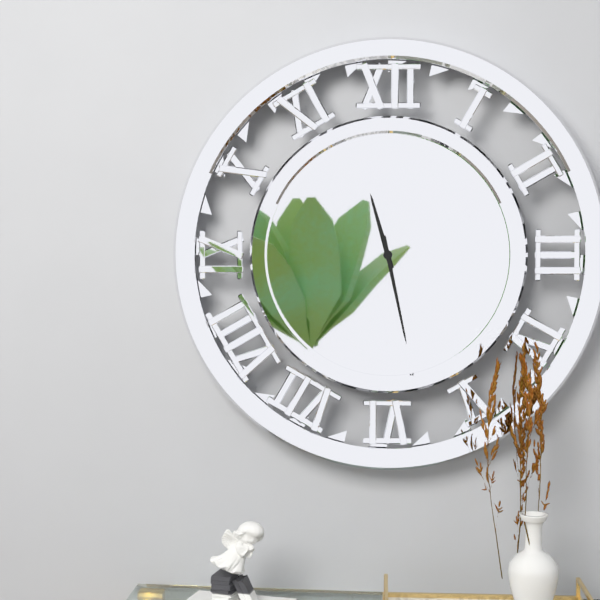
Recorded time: 11.28
